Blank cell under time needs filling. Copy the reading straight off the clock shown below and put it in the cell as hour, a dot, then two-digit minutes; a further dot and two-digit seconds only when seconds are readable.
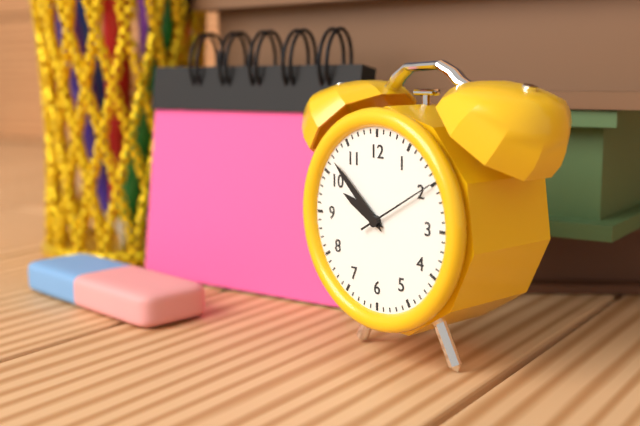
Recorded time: 9.52.10
